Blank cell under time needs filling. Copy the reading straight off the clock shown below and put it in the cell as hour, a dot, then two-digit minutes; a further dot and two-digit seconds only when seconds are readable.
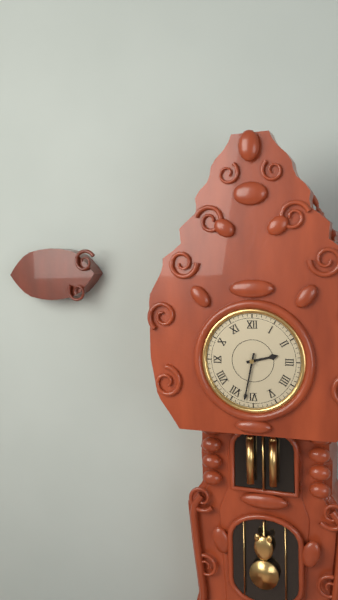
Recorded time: 2.32
